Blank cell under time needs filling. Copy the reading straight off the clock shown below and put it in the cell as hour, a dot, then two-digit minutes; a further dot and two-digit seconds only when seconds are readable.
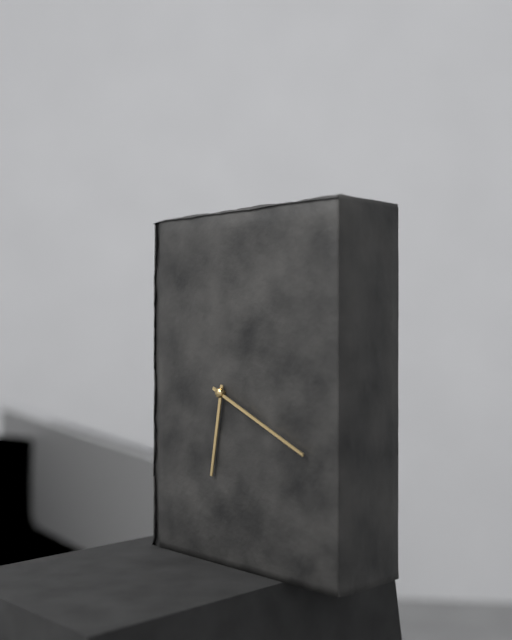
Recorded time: 6.19
